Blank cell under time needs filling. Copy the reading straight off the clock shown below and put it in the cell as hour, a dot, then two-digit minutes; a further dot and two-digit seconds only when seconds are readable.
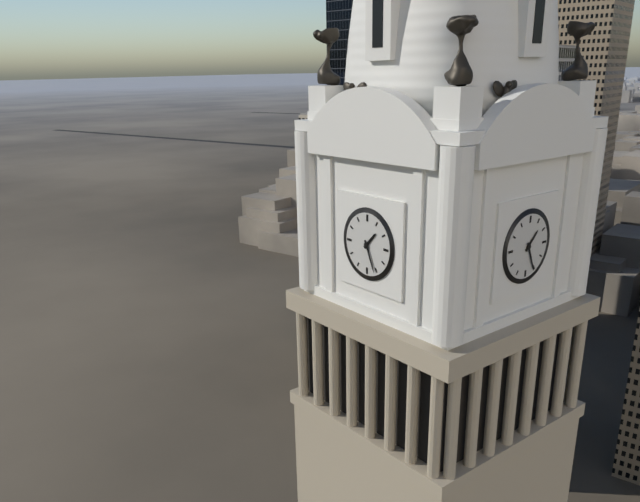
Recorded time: 1.26
